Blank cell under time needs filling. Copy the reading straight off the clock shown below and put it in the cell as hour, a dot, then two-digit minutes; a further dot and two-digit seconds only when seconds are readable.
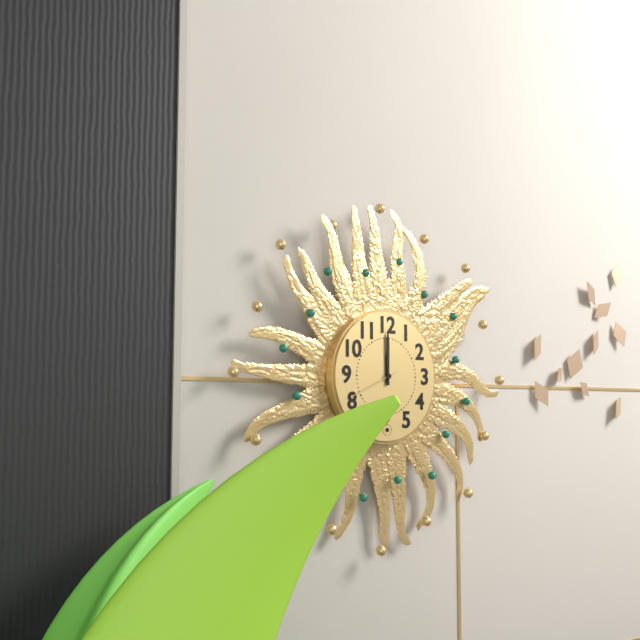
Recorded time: 12.00.41
